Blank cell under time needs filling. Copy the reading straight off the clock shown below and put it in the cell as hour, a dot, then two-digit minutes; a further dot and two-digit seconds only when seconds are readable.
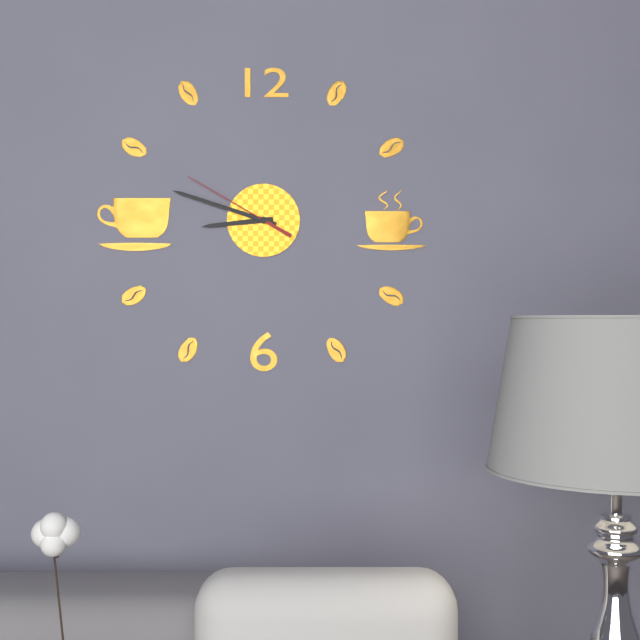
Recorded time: 8.48.50
